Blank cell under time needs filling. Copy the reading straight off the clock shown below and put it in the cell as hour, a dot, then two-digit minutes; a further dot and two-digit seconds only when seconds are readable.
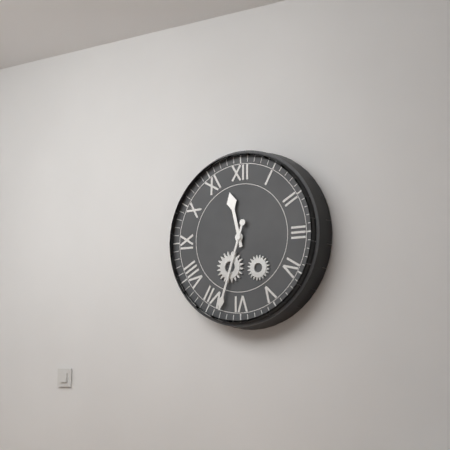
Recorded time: 11.33
